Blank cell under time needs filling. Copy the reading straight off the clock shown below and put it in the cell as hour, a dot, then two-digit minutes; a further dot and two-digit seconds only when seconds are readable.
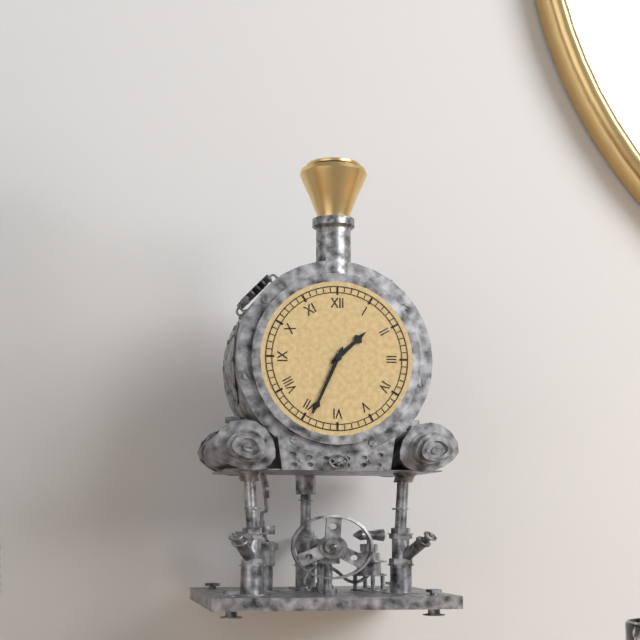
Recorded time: 1.34
